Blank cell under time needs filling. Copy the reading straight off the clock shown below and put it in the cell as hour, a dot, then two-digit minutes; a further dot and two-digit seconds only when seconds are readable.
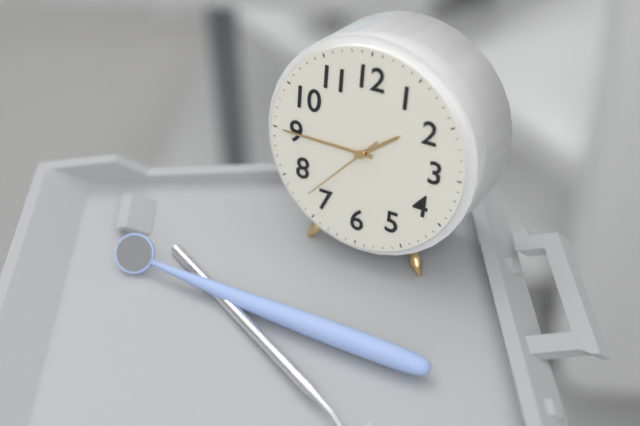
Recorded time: 1.45.37
